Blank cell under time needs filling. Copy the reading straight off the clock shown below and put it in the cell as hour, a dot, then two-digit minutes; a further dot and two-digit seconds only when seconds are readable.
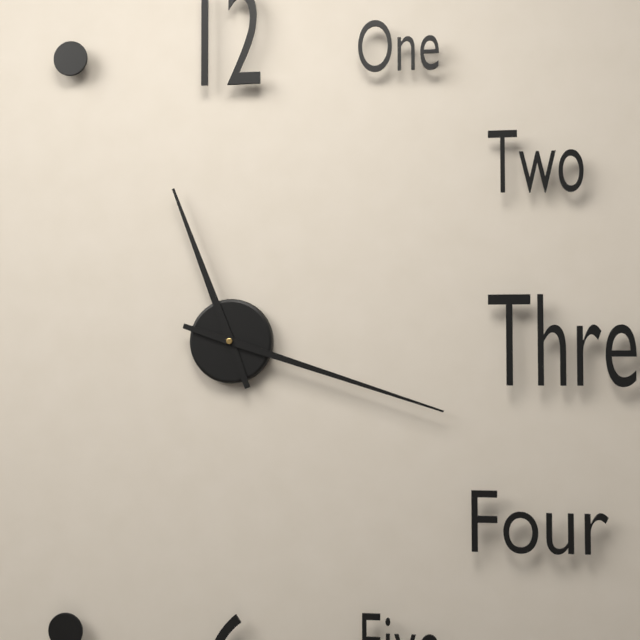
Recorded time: 11.18
